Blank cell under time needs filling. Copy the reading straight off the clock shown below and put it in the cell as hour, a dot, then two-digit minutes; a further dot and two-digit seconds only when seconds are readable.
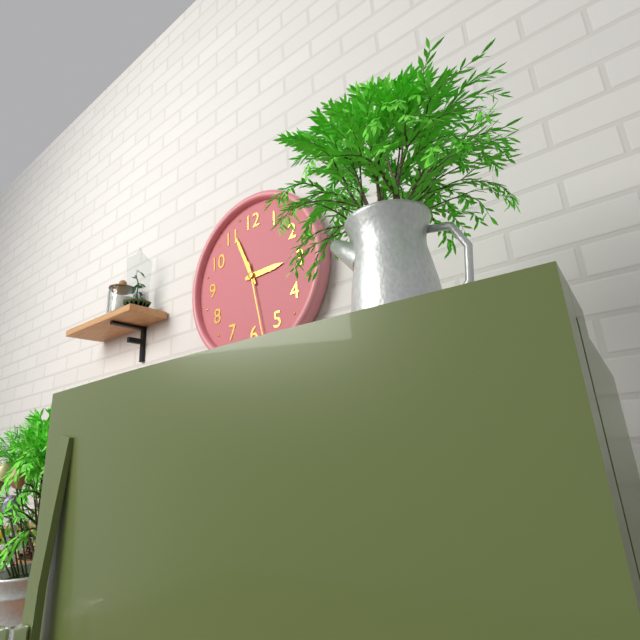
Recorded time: 2.56.28
